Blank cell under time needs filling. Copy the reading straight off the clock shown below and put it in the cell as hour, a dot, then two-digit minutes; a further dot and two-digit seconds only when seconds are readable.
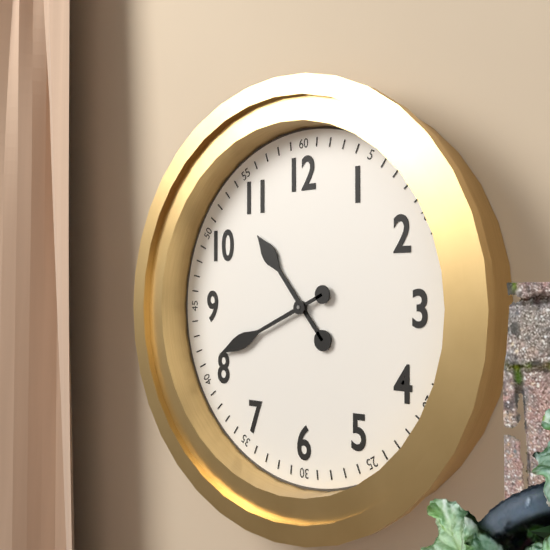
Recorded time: 10.41
